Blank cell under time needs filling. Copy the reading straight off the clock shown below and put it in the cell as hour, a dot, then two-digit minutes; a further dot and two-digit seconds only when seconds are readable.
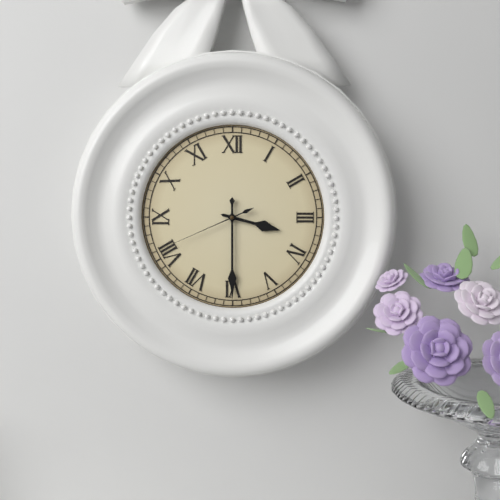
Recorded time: 3.30.41
